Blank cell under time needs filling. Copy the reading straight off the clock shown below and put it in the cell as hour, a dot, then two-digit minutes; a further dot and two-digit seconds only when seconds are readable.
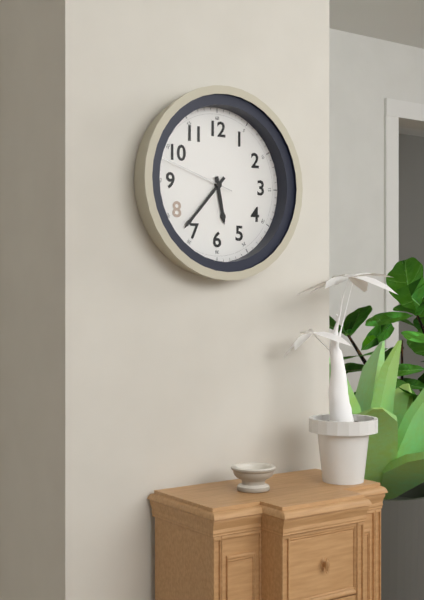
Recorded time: 5.37.48
